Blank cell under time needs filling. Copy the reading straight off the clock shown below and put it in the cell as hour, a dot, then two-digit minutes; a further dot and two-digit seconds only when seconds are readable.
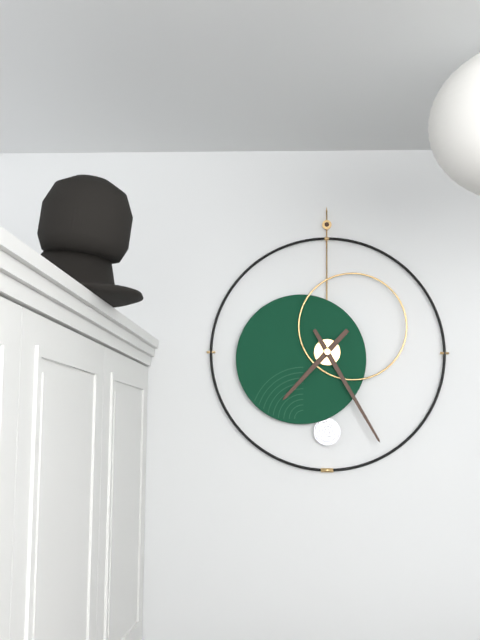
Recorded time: 7.25
